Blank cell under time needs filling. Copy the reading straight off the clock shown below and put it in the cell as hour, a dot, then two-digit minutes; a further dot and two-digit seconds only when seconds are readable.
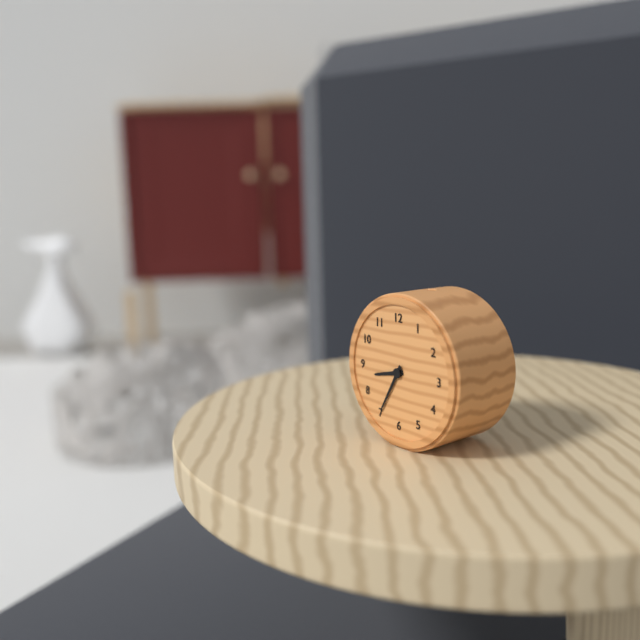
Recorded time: 8.35
